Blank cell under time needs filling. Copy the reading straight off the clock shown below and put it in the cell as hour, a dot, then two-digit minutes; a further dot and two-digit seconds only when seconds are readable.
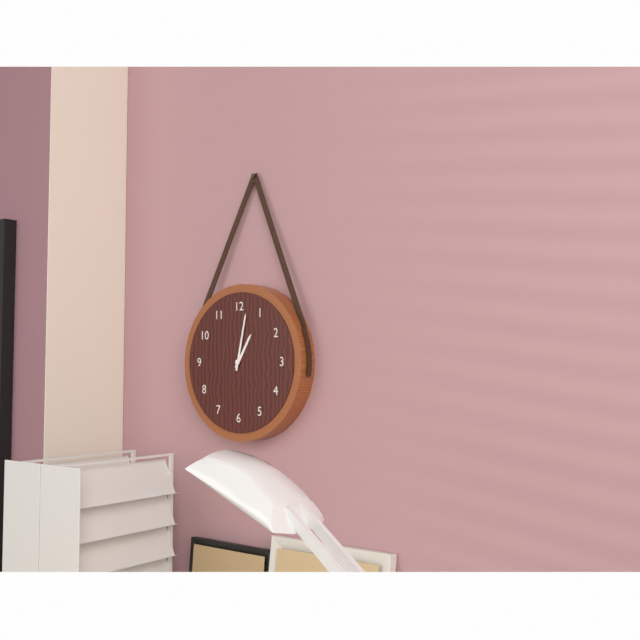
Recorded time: 1.02
